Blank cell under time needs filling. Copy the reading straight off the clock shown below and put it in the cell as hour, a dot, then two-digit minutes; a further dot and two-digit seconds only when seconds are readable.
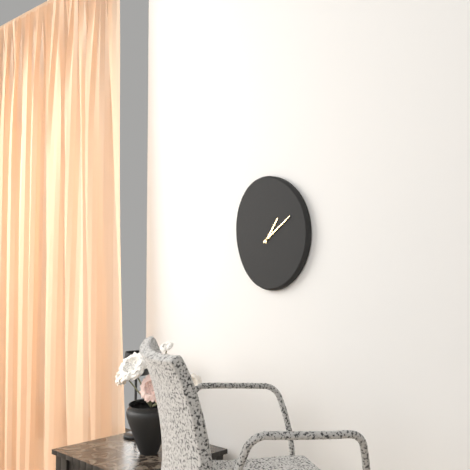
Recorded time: 1.09
